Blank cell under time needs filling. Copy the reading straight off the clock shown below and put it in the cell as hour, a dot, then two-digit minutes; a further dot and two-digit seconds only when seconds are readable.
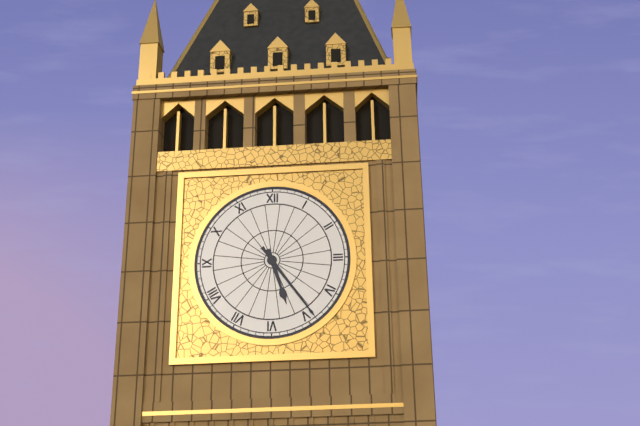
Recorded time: 5.24
